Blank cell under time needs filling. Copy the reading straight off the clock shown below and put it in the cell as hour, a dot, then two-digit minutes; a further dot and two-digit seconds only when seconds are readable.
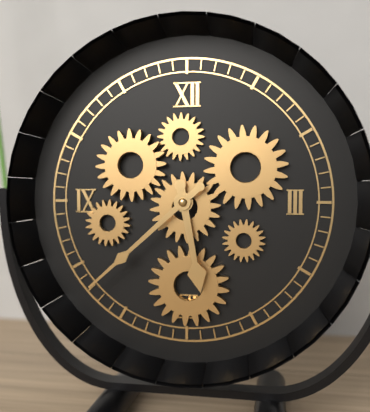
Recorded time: 5.38
